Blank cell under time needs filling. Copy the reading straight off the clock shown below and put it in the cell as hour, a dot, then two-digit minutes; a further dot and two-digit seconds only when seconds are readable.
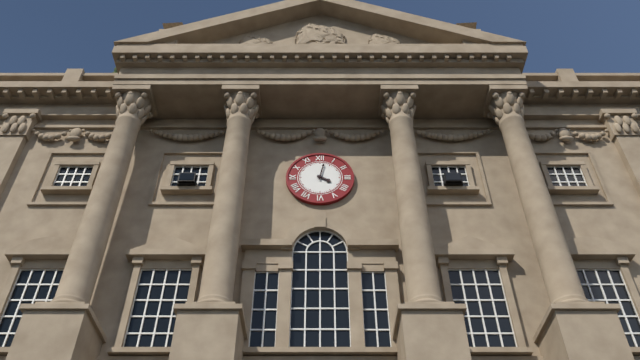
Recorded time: 4.02
